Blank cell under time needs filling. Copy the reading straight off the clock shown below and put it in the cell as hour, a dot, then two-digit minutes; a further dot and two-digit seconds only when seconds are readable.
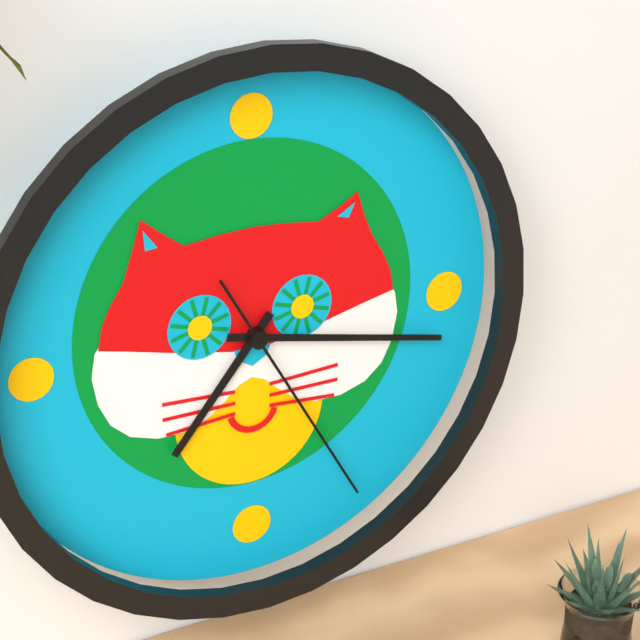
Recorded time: 7.17.25
